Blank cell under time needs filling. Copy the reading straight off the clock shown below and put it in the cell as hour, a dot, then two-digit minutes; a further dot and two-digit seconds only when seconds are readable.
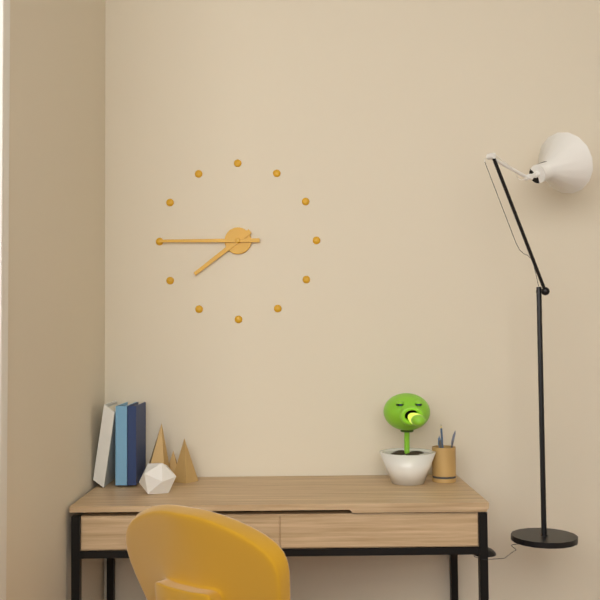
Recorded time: 7.45
